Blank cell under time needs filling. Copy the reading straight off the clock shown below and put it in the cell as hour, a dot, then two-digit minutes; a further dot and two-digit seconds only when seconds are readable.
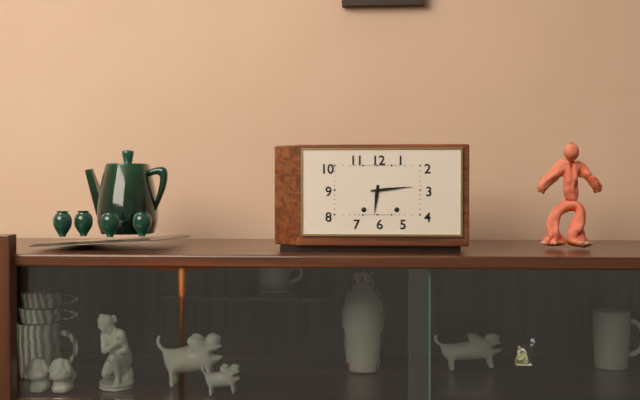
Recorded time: 6.14
